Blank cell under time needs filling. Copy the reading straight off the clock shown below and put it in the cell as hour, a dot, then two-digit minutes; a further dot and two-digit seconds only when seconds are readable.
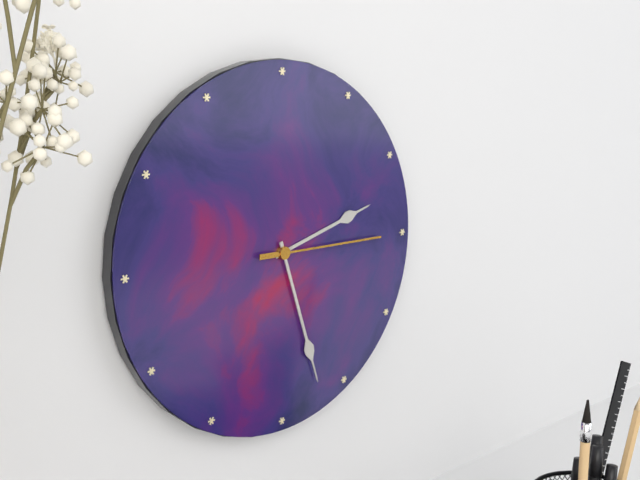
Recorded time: 2.27.15
